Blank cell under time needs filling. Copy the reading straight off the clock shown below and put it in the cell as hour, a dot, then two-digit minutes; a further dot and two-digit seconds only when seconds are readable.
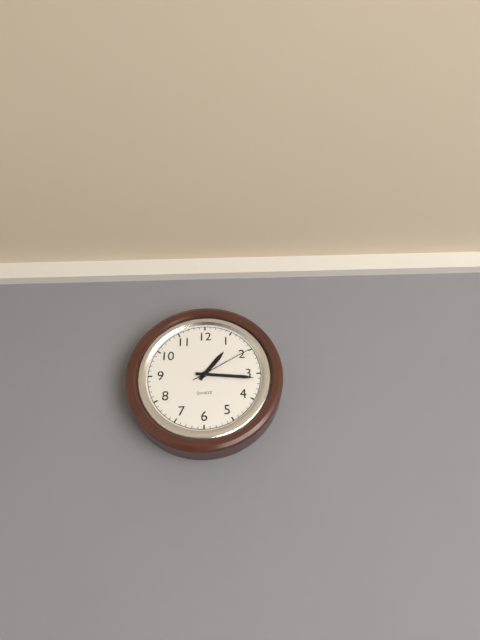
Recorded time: 1.16.10
